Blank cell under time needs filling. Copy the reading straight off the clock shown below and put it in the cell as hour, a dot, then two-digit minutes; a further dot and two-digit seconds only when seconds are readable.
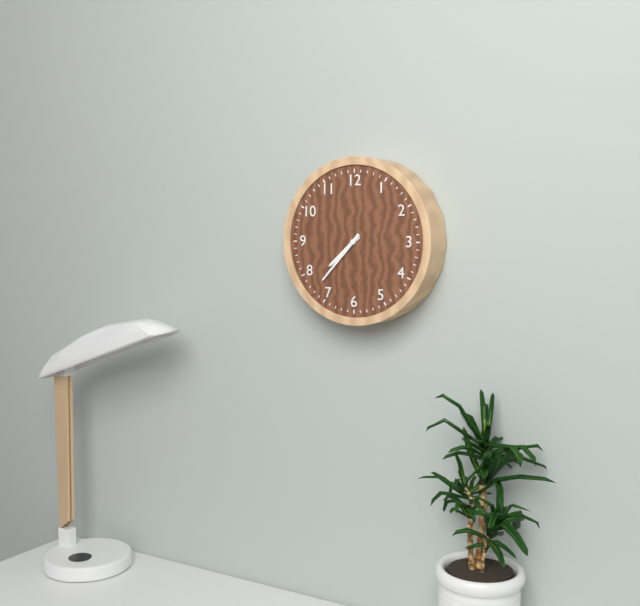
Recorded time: 7.37
